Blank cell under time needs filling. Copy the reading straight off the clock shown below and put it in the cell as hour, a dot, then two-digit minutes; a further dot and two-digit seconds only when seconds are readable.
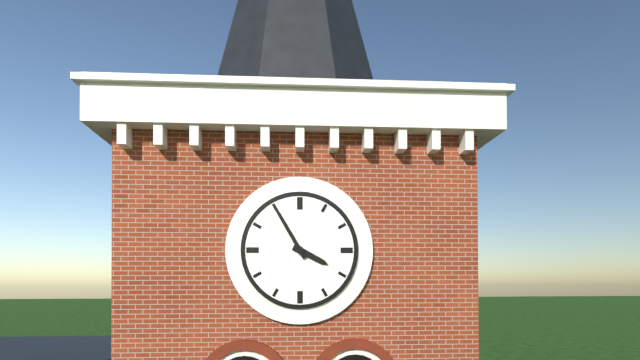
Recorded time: 3.55
